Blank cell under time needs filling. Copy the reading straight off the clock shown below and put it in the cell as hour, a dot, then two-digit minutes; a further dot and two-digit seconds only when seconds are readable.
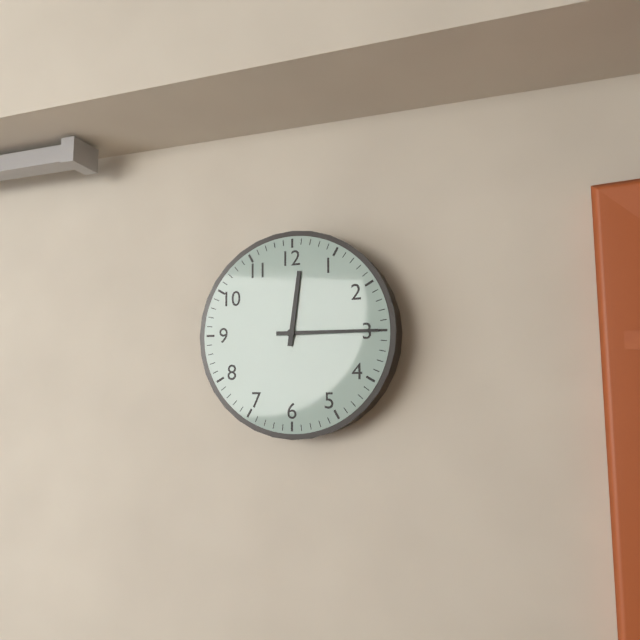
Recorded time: 12.15
